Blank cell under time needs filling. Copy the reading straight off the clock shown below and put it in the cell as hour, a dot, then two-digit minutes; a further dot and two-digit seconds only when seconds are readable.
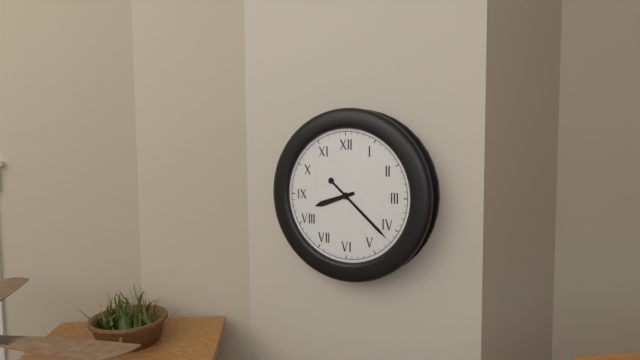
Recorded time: 8.22
